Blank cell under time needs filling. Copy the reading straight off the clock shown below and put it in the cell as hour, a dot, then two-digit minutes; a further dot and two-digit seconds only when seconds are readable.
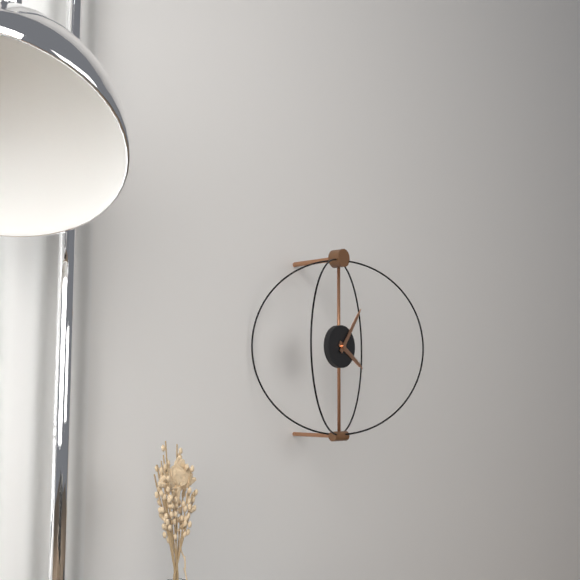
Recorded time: 4.06
